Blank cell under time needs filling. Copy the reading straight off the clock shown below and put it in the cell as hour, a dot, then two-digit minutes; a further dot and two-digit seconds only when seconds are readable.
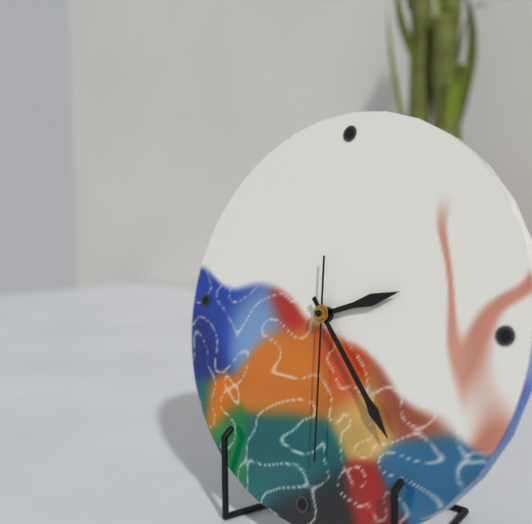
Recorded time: 2.23.29
